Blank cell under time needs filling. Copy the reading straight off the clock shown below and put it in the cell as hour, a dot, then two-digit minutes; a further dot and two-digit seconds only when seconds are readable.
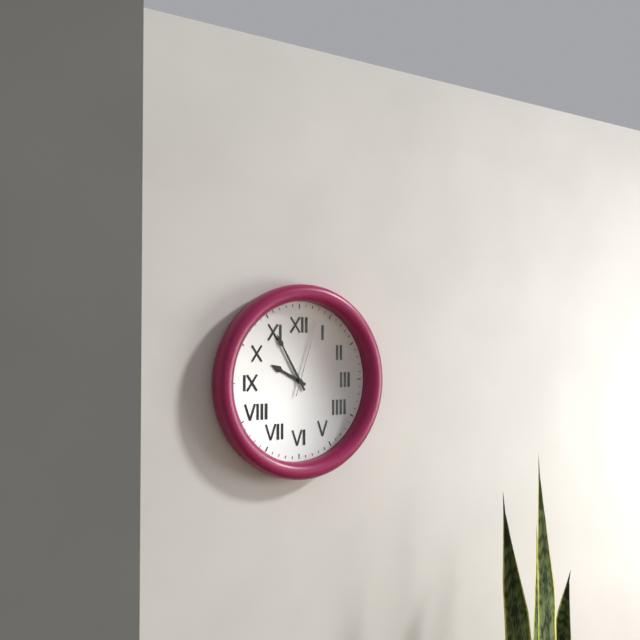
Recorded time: 9.55.03
